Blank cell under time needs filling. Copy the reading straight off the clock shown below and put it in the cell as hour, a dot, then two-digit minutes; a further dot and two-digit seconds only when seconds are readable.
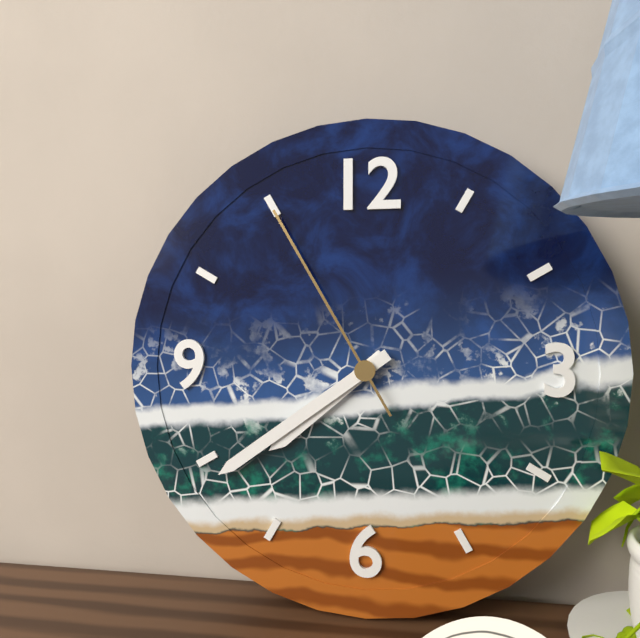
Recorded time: 7.39.55
